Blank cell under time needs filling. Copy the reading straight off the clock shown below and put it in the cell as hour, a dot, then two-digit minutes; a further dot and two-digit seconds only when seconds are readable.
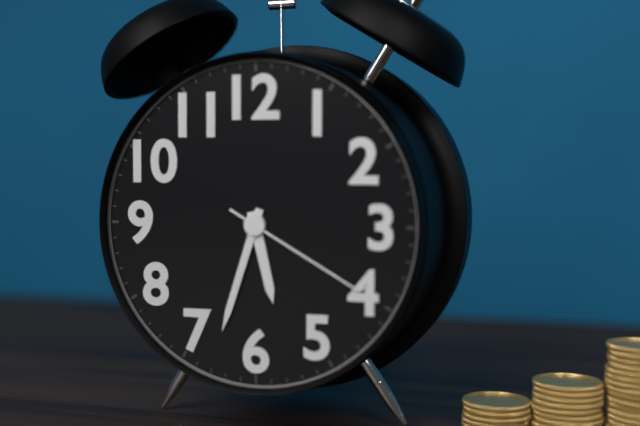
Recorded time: 5.33.20
